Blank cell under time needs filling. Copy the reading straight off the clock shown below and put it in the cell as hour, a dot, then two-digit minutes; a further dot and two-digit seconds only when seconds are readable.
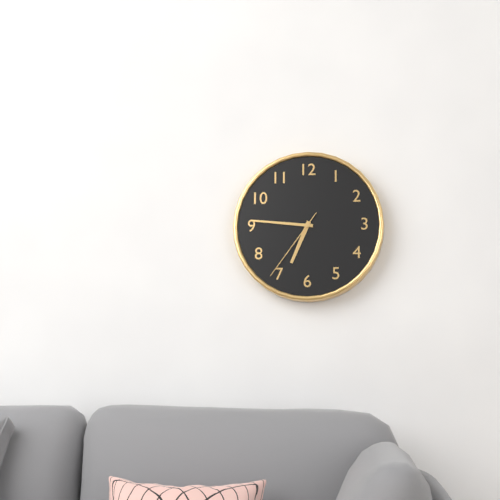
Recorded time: 6.46.36
